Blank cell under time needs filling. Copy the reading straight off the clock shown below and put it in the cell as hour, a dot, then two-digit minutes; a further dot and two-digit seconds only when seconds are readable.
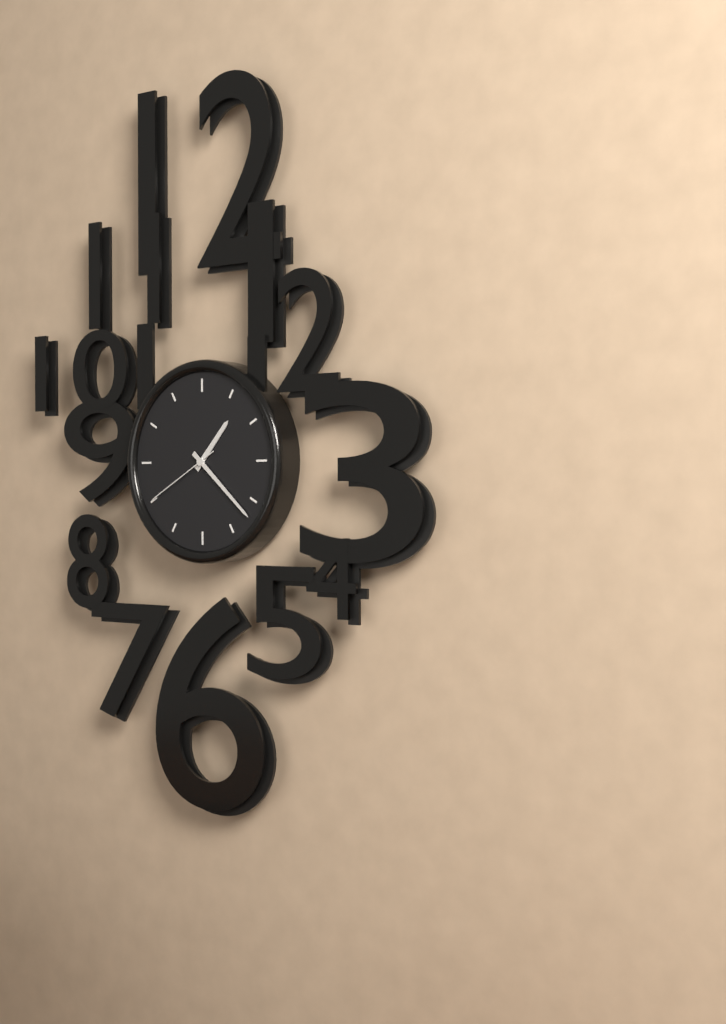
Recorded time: 1.22.40
